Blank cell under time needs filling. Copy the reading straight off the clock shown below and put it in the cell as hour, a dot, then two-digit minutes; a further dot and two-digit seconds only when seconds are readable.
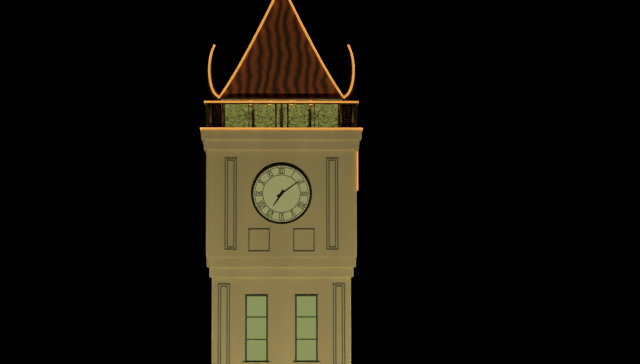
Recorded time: 7.09
